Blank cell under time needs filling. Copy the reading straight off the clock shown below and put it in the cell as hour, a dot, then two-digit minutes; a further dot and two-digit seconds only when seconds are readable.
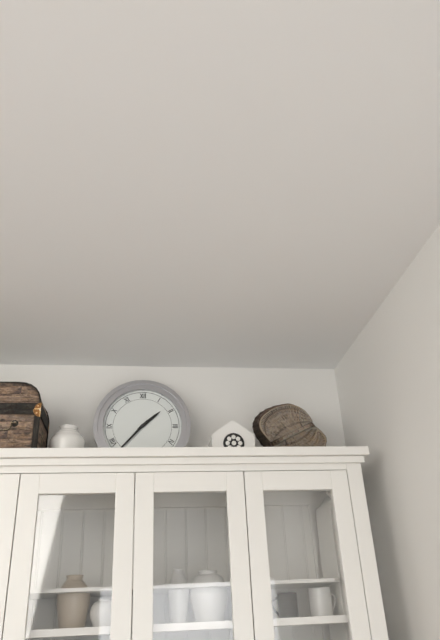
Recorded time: 1.37
